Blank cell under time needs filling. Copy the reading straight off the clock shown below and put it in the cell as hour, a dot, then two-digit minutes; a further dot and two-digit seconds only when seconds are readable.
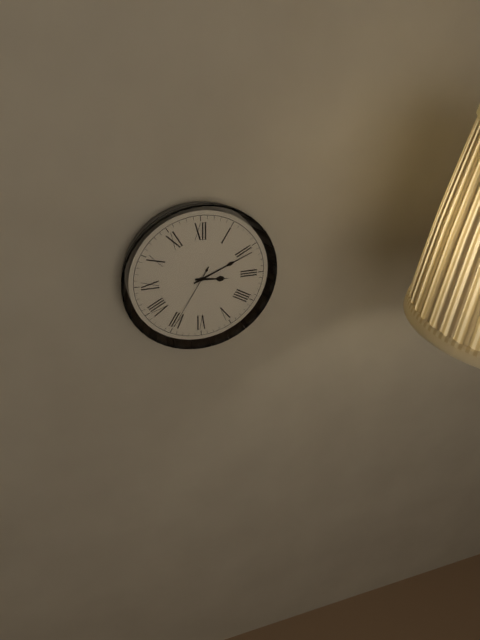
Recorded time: 3.11.35
